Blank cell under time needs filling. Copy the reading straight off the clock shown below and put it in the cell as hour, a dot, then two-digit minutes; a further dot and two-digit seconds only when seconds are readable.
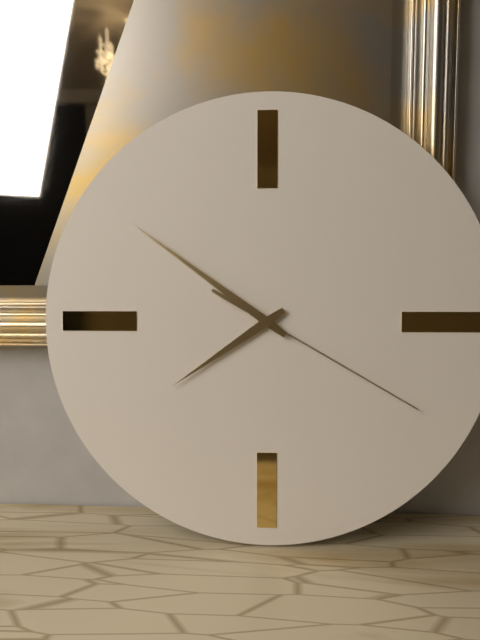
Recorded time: 7.51.20
